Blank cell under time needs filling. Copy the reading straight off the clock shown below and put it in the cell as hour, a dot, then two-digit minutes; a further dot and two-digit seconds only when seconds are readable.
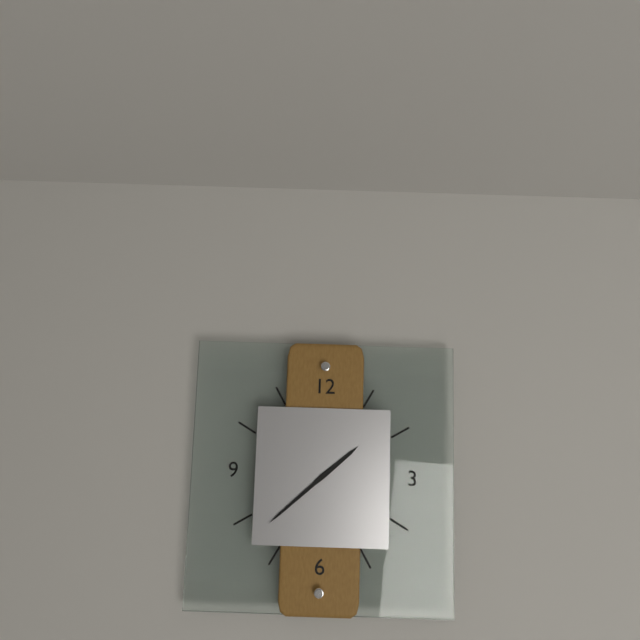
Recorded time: 1.38
